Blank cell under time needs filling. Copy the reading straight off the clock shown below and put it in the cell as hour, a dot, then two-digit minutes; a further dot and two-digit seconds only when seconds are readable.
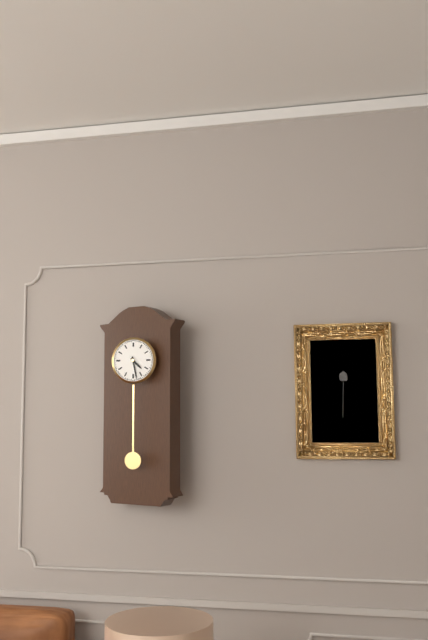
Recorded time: 4.28
